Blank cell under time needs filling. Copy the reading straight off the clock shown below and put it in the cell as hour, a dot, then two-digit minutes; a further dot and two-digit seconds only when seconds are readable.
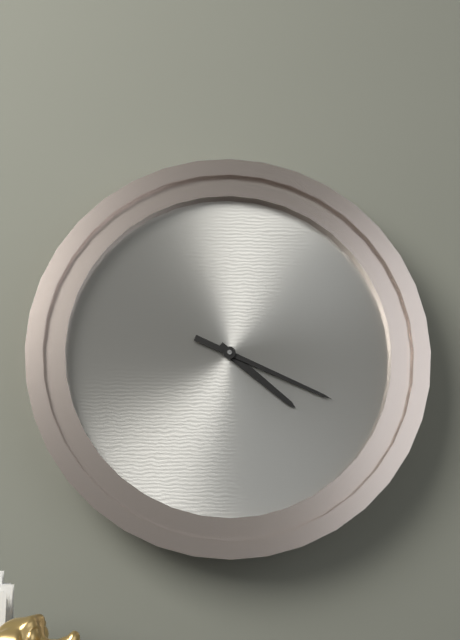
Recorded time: 4.19
